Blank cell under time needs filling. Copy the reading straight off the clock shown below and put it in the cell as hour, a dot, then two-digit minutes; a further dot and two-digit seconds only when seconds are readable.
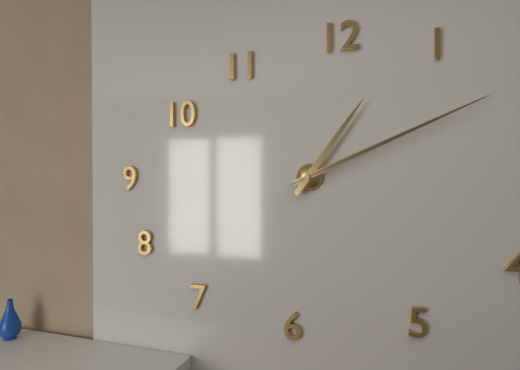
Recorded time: 1.11.11
